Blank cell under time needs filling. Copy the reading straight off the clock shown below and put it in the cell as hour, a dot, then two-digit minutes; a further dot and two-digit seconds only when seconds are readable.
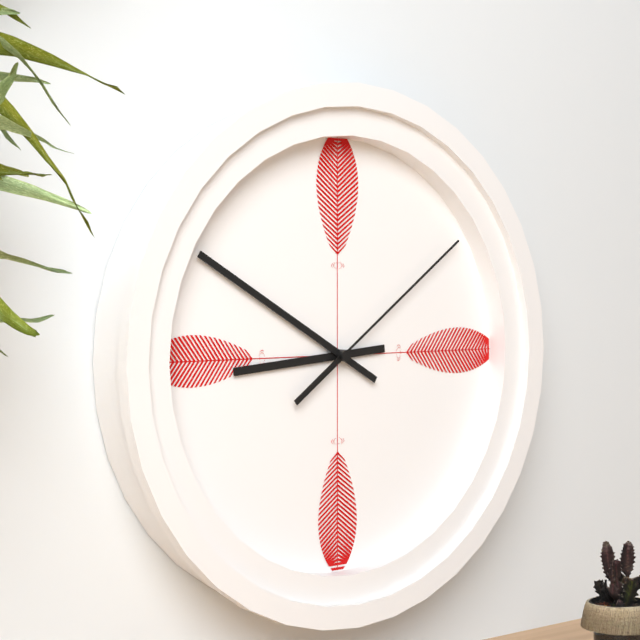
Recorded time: 8.50.09
